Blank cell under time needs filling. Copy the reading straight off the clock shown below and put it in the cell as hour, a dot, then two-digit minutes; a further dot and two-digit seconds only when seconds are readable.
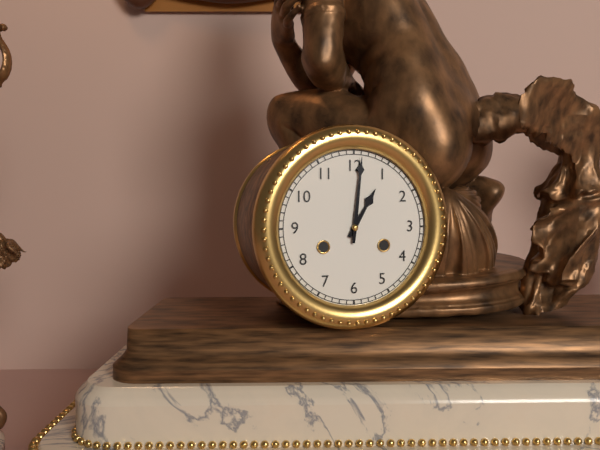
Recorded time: 1.01
